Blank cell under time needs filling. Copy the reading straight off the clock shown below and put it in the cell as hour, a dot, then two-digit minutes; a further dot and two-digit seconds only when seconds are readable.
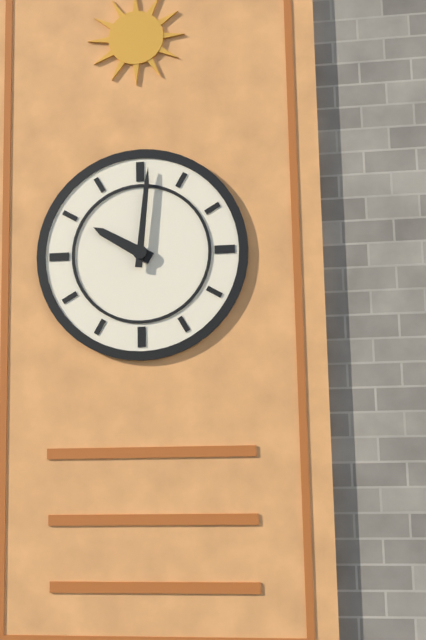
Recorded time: 10.01
